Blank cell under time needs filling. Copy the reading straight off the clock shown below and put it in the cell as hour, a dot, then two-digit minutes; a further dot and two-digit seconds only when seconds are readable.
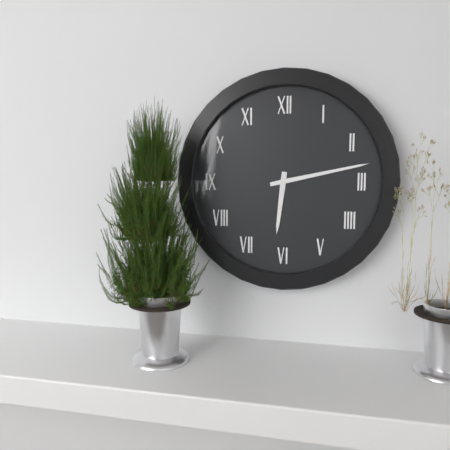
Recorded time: 6.13
